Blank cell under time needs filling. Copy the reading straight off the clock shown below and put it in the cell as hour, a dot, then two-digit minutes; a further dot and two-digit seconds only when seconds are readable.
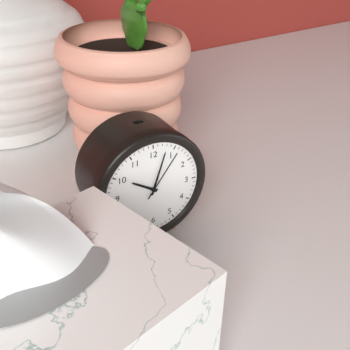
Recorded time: 10.03.06
